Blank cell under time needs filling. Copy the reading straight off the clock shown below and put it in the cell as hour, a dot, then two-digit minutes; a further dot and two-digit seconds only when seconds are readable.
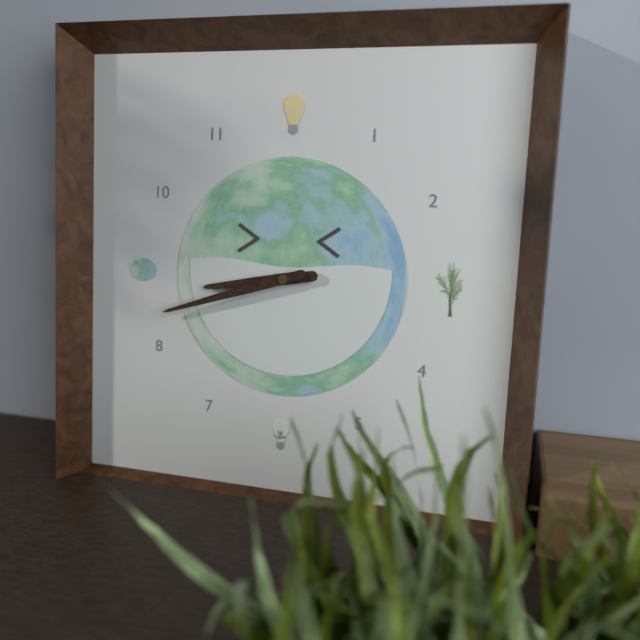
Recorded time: 8.42
